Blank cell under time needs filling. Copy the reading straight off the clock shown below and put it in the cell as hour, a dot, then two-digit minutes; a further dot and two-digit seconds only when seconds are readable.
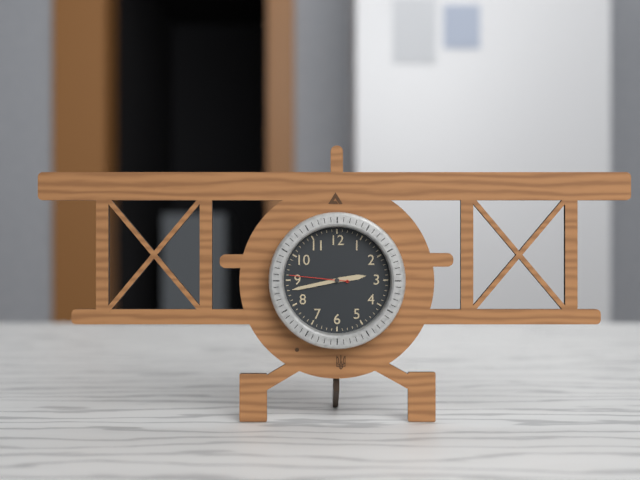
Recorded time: 2.43.46
